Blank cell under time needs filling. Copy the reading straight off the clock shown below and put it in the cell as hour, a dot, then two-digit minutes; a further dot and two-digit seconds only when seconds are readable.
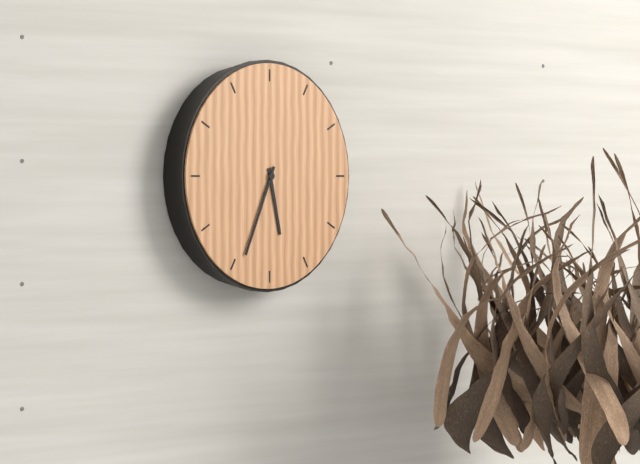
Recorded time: 5.34
